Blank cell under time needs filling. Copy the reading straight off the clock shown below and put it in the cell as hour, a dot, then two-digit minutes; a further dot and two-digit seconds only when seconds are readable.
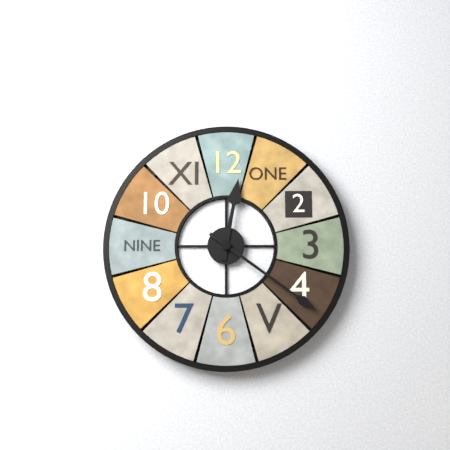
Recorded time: 12.21
